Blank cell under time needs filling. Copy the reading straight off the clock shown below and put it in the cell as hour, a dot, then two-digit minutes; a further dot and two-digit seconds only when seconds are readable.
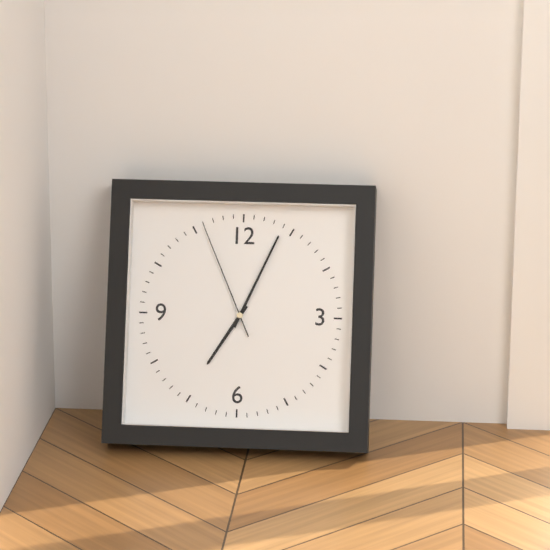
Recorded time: 7.04.56
